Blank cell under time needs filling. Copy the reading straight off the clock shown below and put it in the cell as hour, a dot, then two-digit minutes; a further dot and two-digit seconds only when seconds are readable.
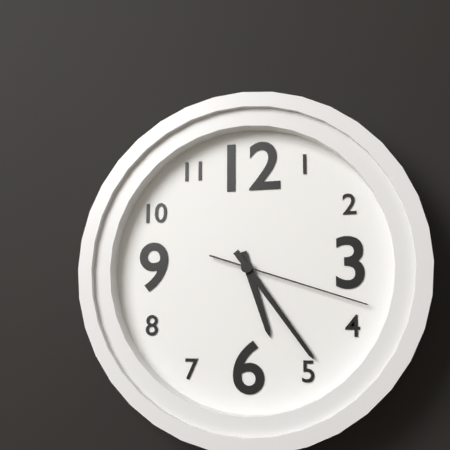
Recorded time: 5.24.18
